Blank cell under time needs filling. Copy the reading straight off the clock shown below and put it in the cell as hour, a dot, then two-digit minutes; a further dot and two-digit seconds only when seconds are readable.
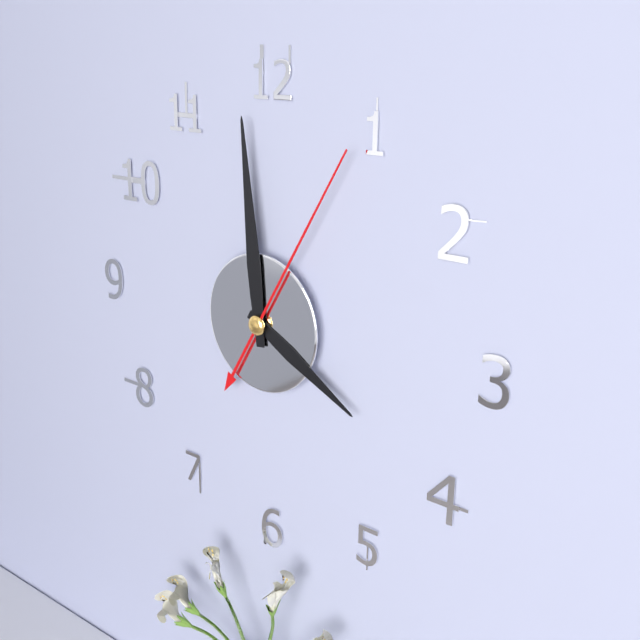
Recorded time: 3.59.05
